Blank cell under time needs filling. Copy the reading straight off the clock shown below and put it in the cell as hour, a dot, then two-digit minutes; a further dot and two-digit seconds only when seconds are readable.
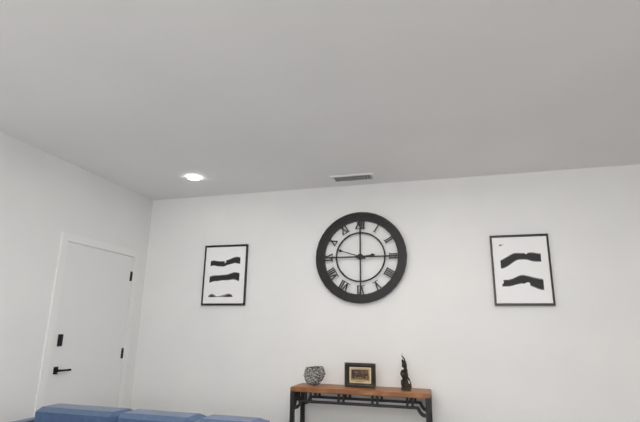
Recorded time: 2.48
